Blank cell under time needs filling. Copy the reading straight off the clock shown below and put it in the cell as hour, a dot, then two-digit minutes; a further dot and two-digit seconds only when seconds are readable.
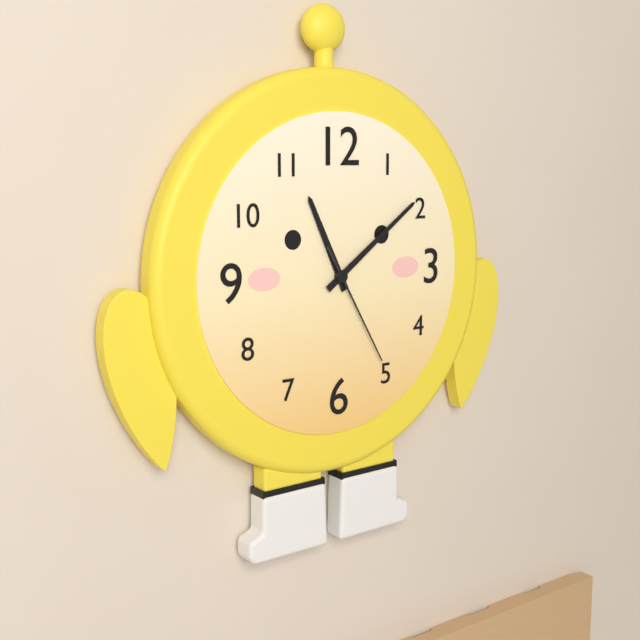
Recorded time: 11.09.25
